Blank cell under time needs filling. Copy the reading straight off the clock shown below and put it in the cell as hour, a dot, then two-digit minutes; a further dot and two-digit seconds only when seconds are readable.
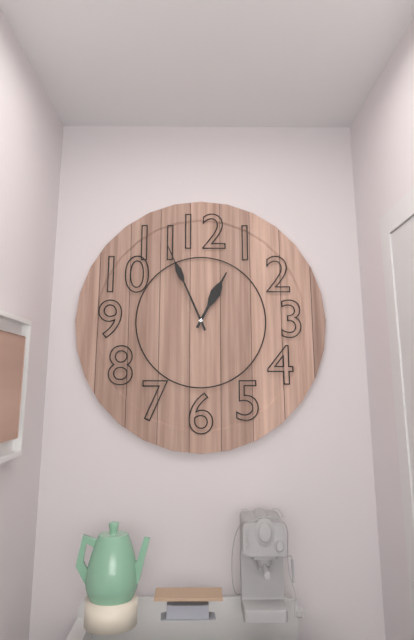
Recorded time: 12.56
